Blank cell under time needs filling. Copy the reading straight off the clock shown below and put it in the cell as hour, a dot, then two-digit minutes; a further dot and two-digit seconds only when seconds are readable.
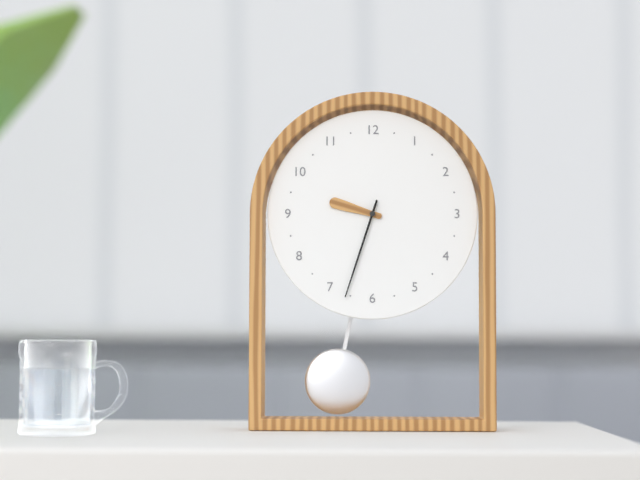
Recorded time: 9.33
